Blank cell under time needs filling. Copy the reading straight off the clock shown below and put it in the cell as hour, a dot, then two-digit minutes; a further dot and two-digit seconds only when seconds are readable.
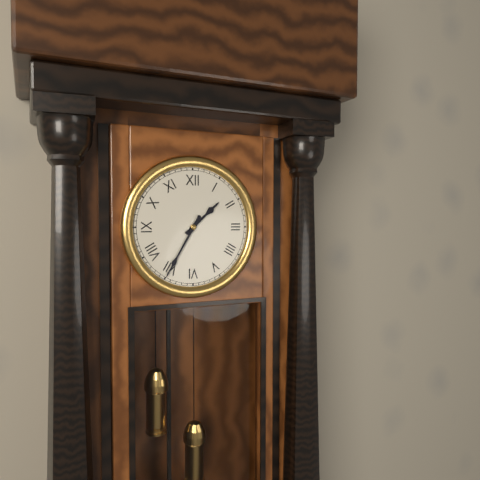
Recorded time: 1.35
